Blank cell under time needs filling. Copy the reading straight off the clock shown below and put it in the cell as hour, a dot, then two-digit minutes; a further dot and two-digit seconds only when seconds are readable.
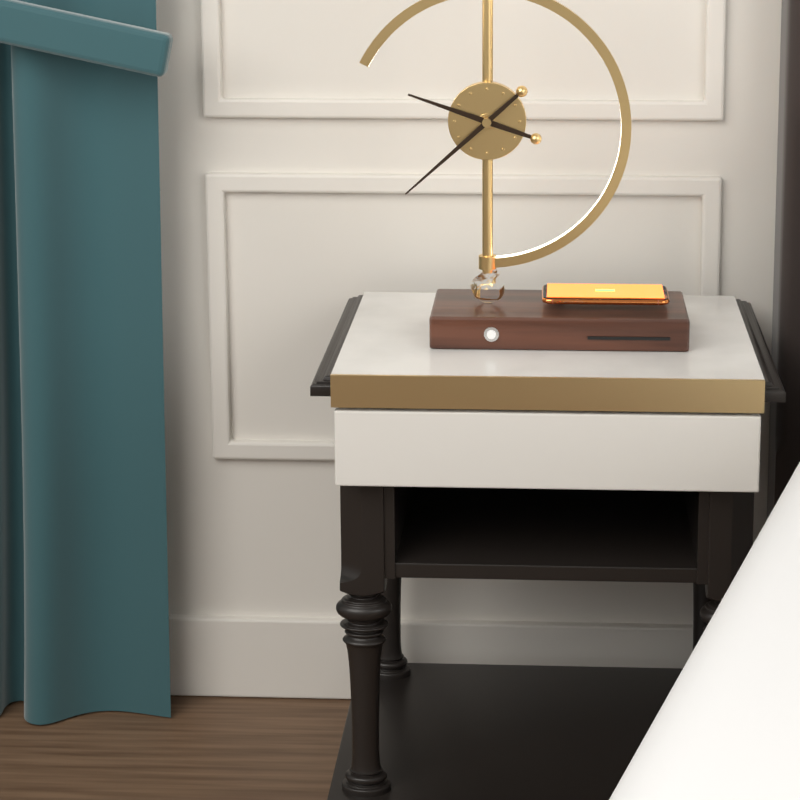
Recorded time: 9.38
